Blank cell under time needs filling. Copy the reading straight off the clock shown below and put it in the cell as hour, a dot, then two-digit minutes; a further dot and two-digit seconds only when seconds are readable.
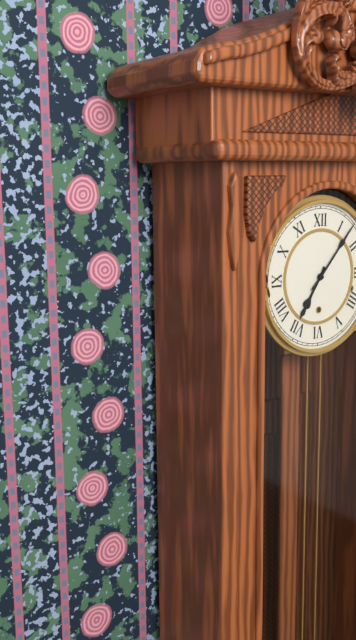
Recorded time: 7.07
